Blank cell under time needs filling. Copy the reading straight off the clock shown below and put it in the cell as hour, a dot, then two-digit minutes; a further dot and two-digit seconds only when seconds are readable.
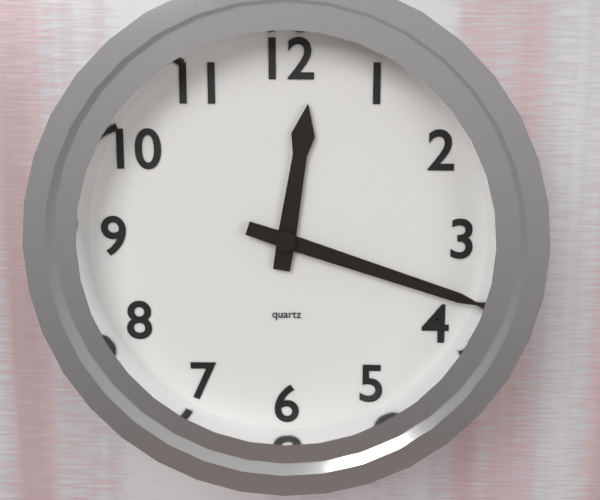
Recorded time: 12.18
